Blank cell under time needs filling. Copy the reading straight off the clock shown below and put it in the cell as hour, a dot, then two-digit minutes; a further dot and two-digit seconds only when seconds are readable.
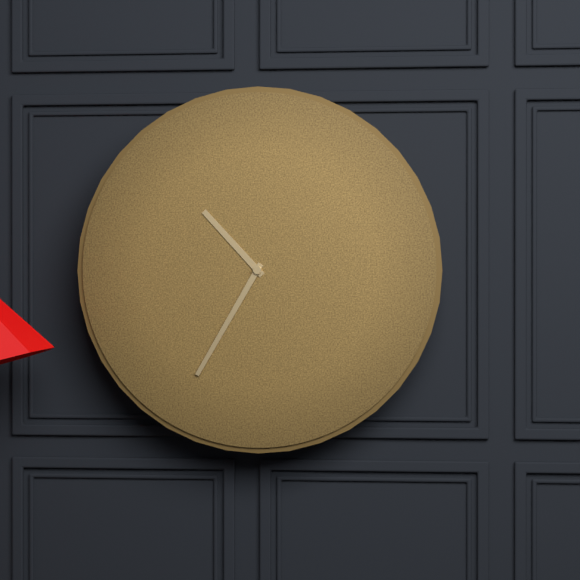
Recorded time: 10.35
